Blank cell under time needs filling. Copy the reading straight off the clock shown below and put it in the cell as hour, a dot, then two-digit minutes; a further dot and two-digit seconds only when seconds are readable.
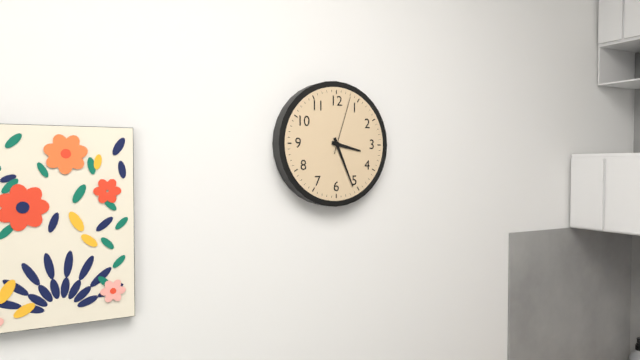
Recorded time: 3.26.03
